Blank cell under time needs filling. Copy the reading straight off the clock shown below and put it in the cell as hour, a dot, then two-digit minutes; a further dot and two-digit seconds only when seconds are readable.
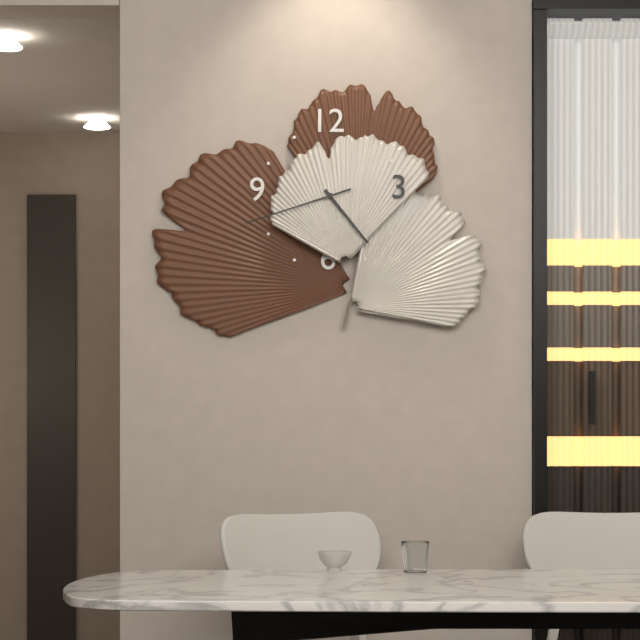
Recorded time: 4.42
